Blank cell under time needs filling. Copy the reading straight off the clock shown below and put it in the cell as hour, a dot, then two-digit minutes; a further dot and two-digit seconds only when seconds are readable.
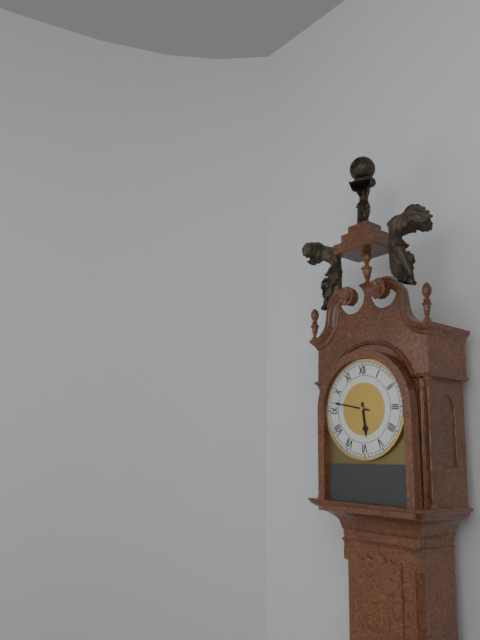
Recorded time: 5.47
